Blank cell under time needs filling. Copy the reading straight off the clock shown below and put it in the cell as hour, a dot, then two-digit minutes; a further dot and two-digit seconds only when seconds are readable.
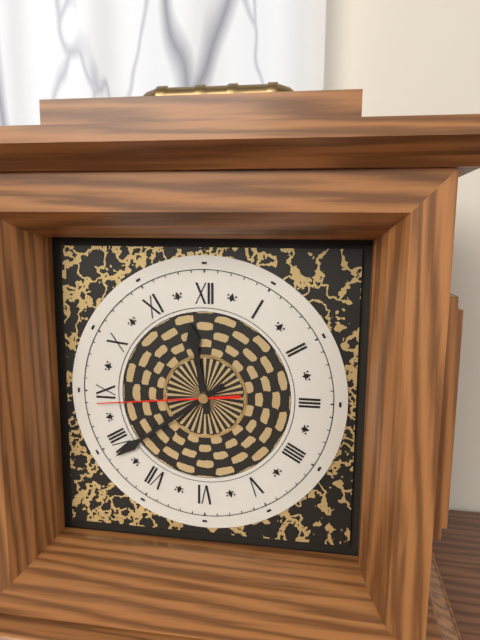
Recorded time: 11.39.44
